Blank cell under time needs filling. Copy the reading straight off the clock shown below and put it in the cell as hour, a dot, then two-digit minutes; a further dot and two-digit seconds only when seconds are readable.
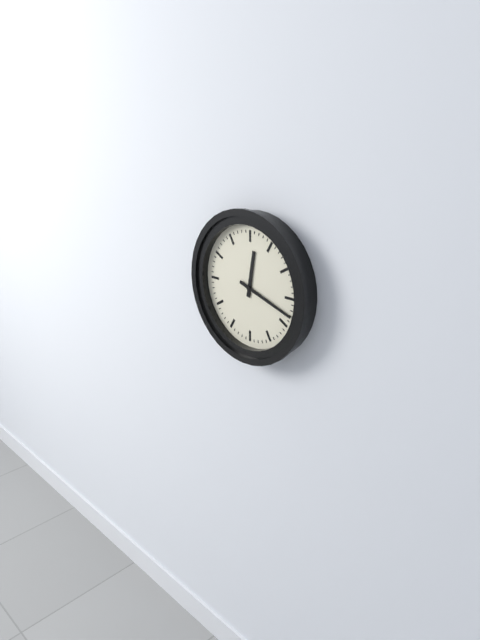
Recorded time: 12.18
